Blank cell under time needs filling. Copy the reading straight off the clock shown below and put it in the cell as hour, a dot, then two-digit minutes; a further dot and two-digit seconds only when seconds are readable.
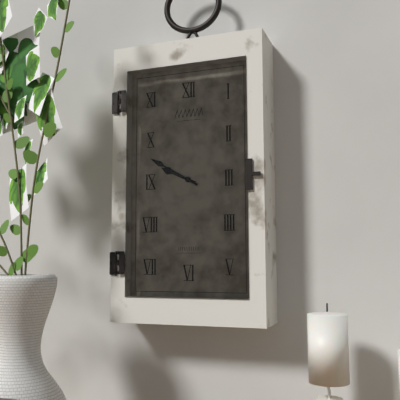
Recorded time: 9.50
